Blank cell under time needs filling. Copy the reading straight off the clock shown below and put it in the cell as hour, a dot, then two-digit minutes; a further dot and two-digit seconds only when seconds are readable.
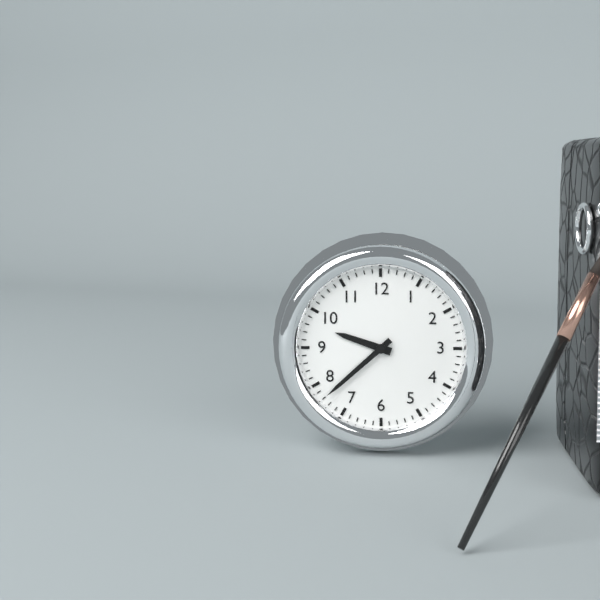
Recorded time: 9.38
